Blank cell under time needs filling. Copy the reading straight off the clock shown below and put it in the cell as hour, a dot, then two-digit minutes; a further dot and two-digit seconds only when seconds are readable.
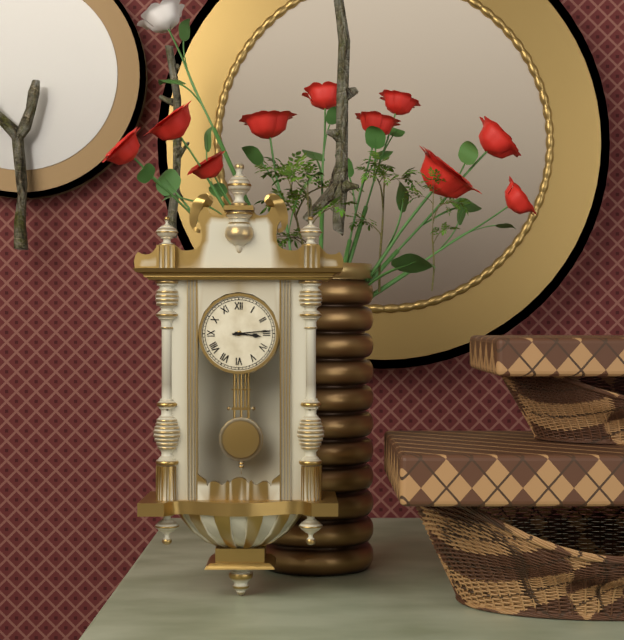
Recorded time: 3.14
